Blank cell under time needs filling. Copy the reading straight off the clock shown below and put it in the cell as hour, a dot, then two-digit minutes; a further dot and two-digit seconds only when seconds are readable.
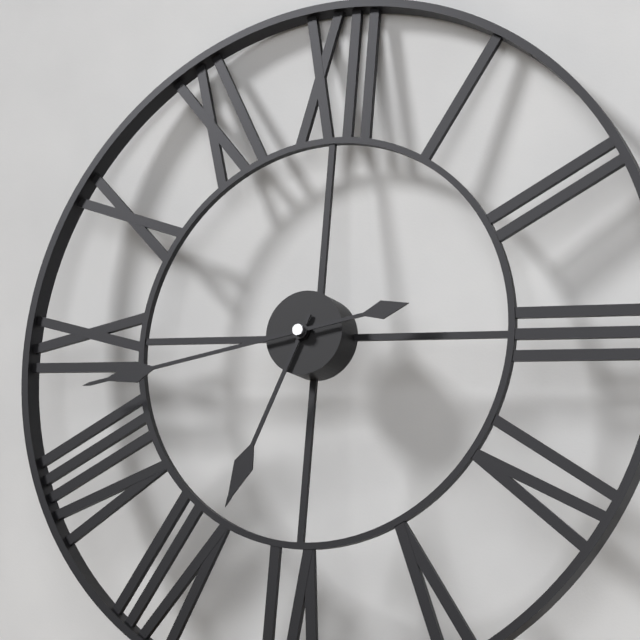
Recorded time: 6.43
